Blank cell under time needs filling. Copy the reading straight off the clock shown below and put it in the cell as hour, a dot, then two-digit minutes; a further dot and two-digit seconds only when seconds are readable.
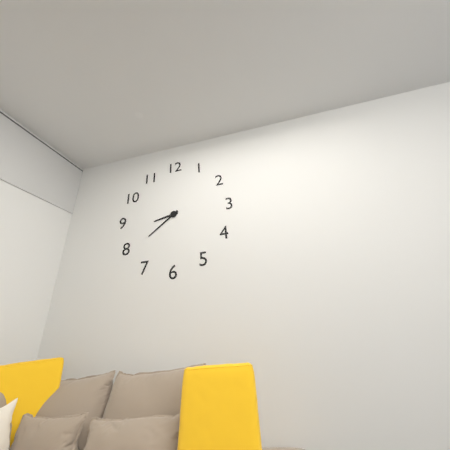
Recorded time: 8.39
